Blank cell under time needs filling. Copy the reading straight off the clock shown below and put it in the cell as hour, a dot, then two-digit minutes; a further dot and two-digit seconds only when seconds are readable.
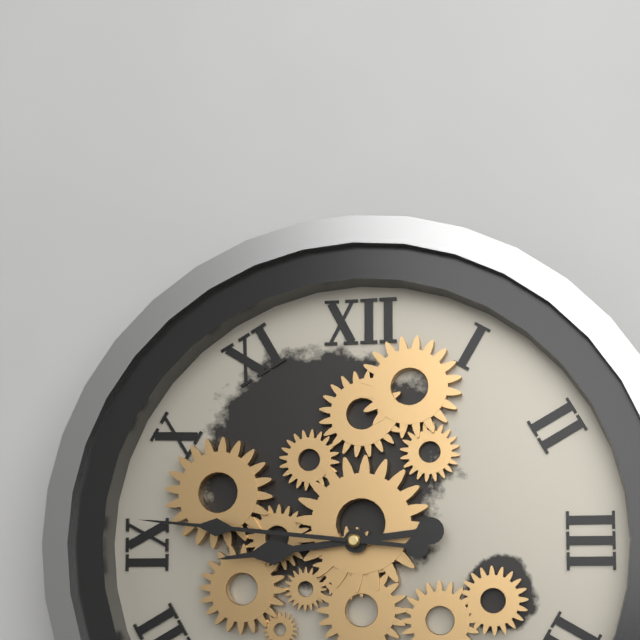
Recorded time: 8.46
